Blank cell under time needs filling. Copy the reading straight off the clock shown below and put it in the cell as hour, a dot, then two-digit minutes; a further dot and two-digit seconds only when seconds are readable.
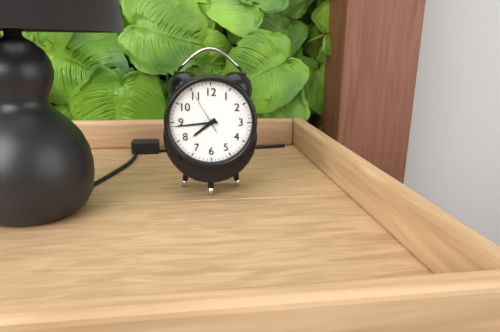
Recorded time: 7.44.55
